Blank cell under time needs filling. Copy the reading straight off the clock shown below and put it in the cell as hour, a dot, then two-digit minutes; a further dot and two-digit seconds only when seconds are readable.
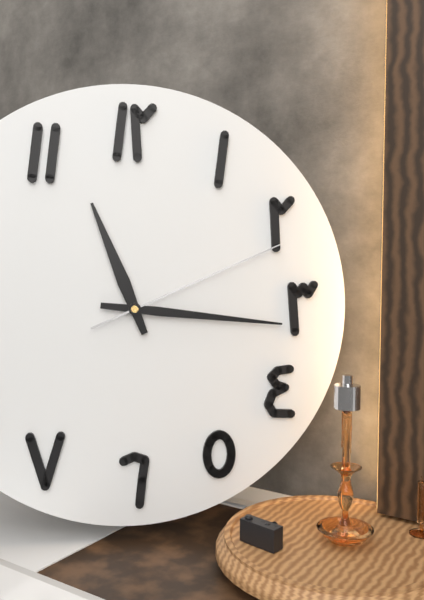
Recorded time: 11.16.11
